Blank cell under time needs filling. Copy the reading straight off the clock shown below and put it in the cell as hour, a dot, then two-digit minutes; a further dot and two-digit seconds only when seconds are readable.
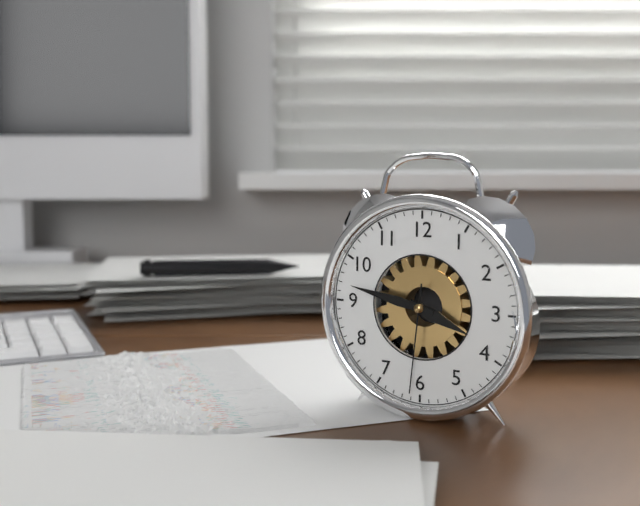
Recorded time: 3.47.31
